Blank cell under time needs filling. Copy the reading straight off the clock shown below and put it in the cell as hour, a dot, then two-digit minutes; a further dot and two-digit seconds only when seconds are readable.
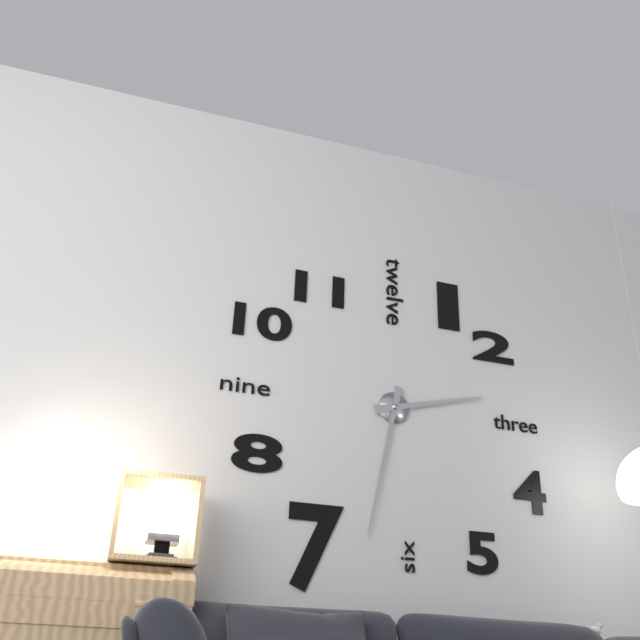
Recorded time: 2.32
